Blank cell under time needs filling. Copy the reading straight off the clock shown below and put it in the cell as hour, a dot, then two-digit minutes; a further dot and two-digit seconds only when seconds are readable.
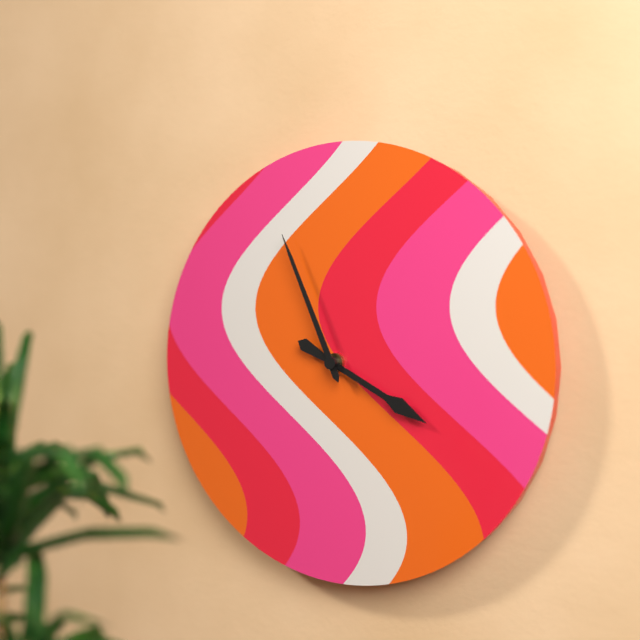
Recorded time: 3.56
